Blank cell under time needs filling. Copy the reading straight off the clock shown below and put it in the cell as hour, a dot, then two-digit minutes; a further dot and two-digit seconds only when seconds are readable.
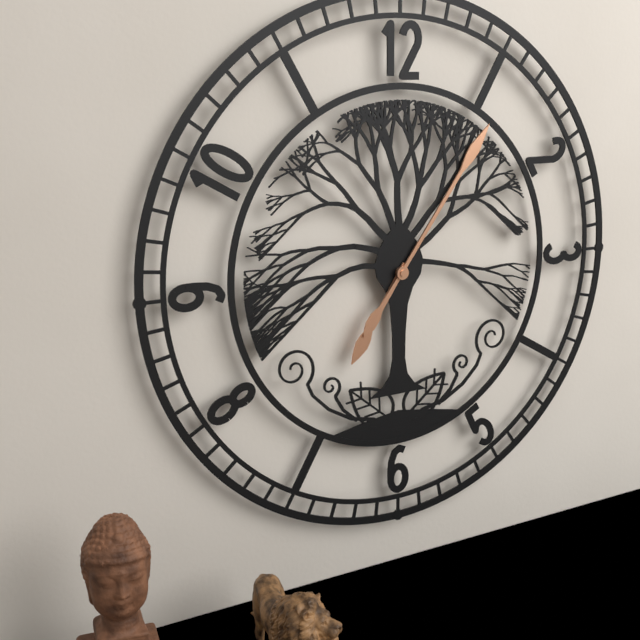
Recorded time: 7.06
